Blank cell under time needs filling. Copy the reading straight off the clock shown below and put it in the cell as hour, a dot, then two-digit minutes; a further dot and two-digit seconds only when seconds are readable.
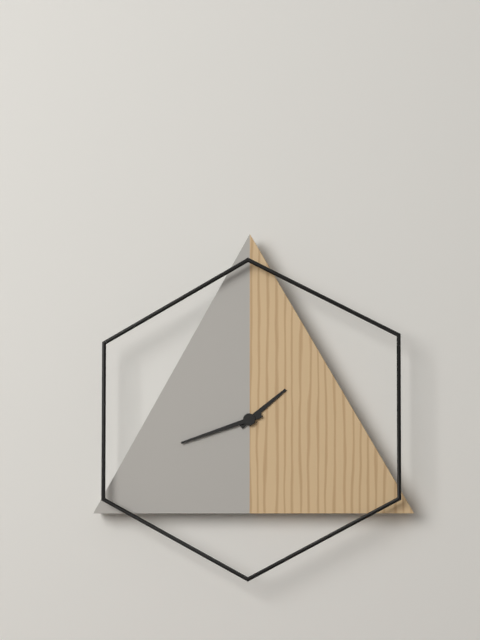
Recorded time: 1.42
